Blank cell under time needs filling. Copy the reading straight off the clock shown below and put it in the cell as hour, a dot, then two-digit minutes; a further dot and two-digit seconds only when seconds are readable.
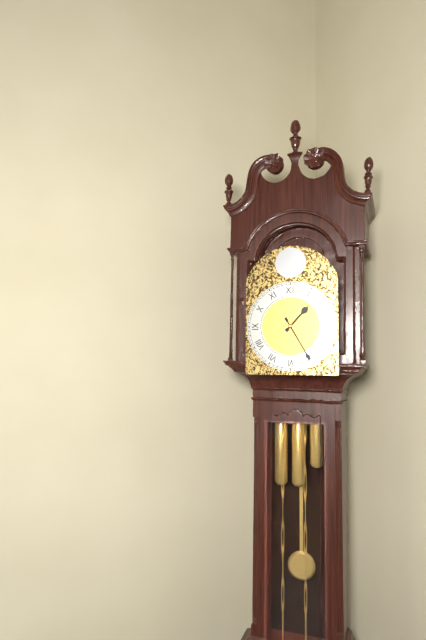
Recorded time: 1.25
